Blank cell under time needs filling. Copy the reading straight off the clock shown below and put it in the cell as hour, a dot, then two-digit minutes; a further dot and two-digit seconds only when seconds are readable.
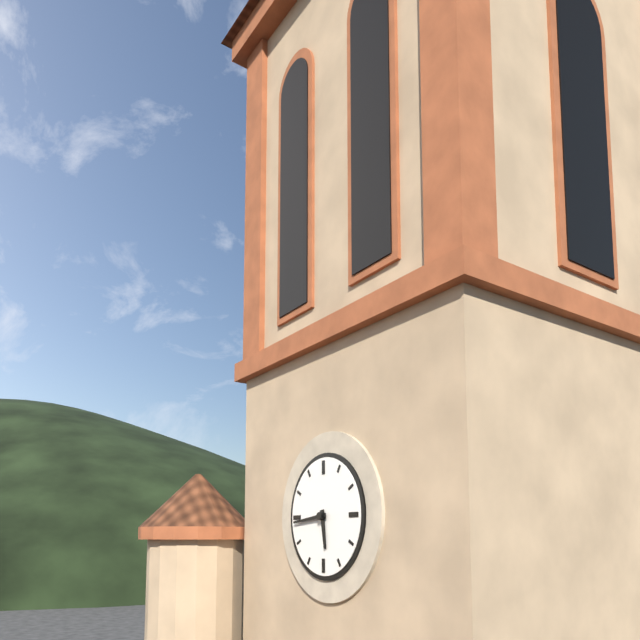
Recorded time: 5.44
